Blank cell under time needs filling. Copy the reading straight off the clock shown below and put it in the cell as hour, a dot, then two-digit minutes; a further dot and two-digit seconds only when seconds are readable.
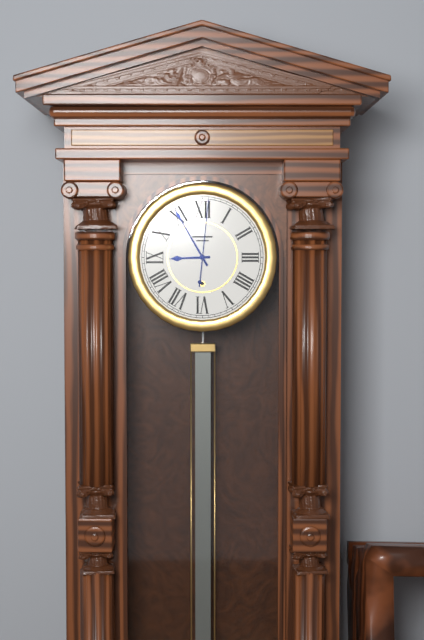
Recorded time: 8.55.01
